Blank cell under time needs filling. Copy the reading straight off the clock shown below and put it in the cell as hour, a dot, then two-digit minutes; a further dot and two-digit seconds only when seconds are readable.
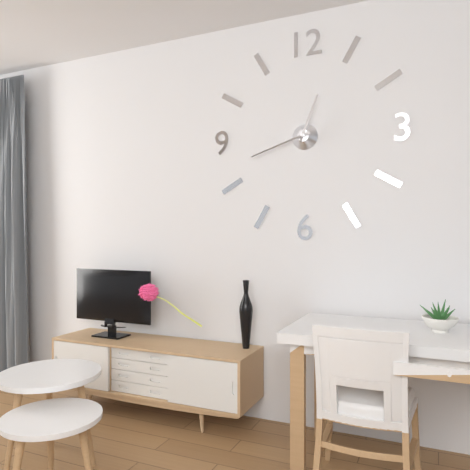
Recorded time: 12.42
